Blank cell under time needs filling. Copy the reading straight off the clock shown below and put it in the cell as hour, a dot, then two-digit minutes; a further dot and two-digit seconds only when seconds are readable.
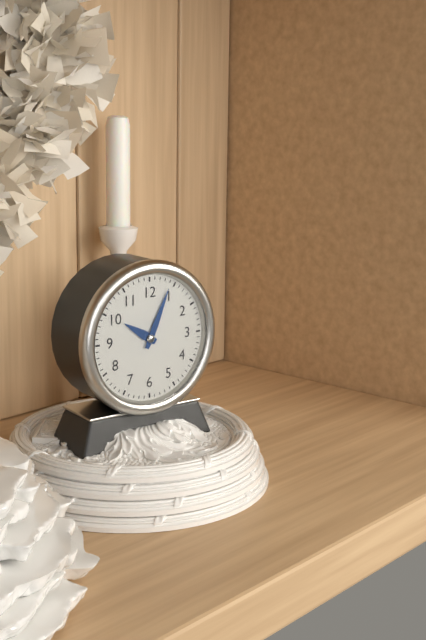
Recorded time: 10.04
